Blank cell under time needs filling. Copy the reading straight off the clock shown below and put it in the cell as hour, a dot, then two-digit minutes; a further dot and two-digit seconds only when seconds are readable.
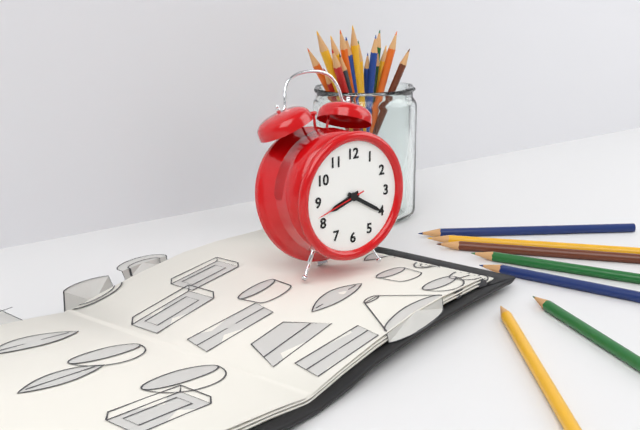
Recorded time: 8.20.42
